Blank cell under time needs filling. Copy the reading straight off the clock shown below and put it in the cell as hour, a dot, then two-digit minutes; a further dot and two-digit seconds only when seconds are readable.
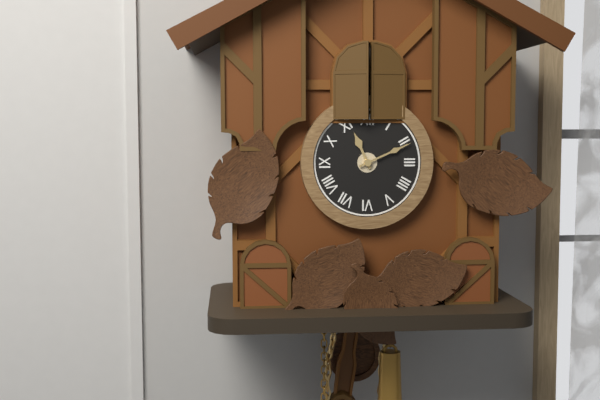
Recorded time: 11.11
